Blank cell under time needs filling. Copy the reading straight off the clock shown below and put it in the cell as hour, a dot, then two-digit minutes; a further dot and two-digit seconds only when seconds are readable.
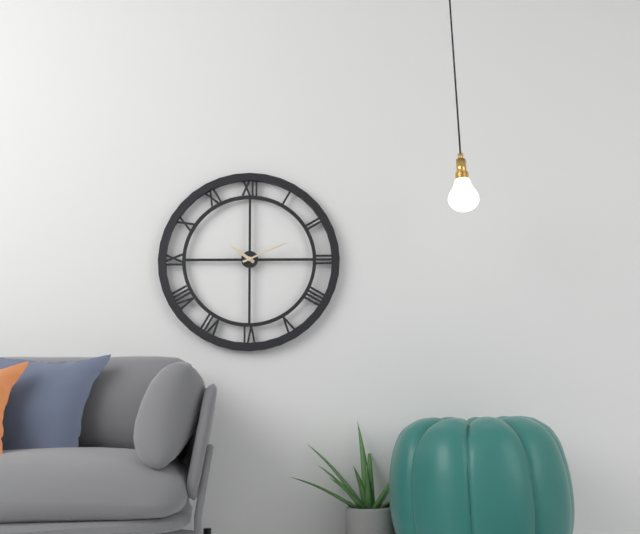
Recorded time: 10.11
